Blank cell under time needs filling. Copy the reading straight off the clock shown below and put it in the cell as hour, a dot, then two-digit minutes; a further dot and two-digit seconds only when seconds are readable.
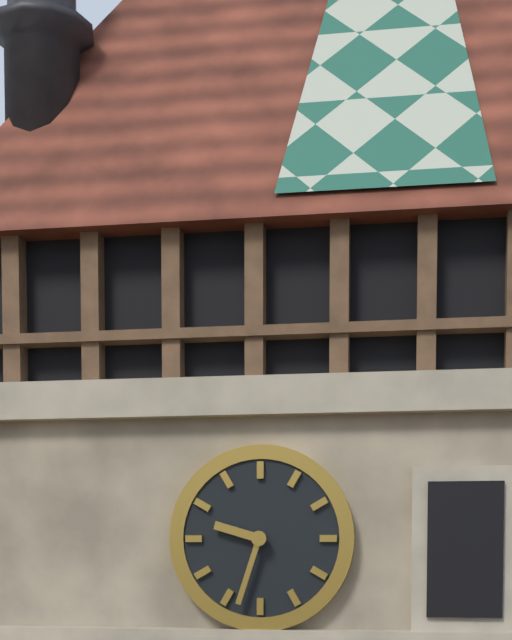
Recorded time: 9.33
